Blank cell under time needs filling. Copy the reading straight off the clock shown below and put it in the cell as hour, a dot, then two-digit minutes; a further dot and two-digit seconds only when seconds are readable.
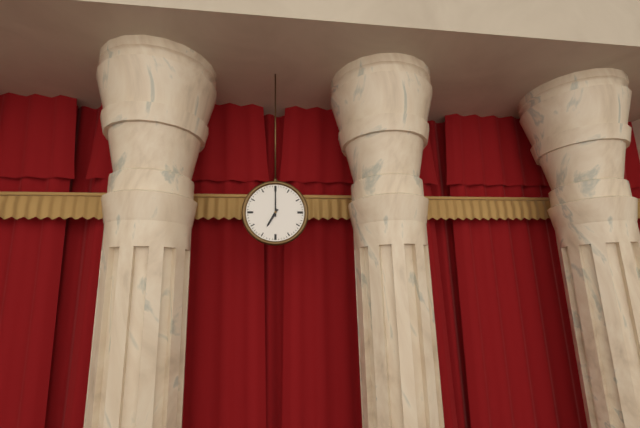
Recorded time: 7.00
